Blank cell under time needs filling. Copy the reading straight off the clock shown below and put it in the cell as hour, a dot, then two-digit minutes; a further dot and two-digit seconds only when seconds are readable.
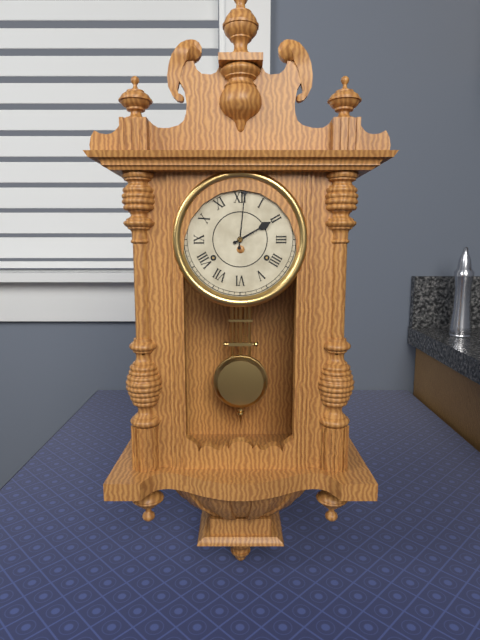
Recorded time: 2.01
